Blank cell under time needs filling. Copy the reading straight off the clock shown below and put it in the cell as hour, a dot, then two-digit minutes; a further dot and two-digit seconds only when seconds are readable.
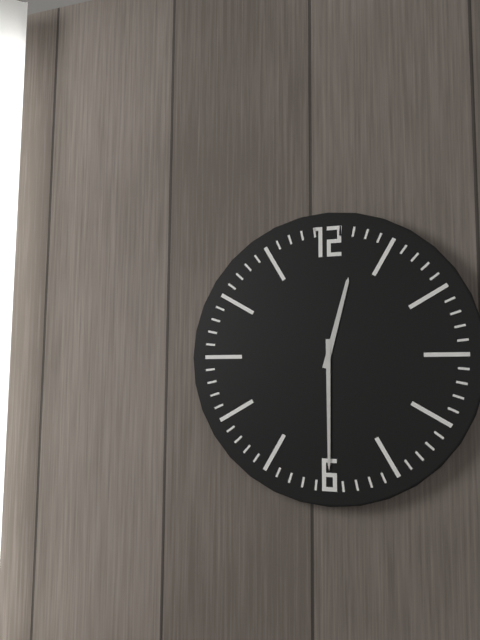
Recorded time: 12.30
